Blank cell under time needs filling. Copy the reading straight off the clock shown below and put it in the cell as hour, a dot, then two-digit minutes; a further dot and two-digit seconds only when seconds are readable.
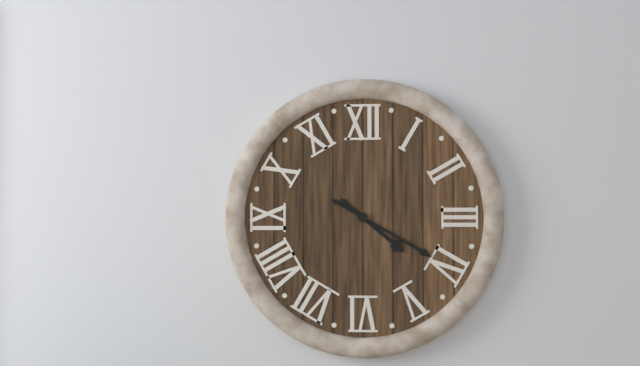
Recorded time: 4.20
